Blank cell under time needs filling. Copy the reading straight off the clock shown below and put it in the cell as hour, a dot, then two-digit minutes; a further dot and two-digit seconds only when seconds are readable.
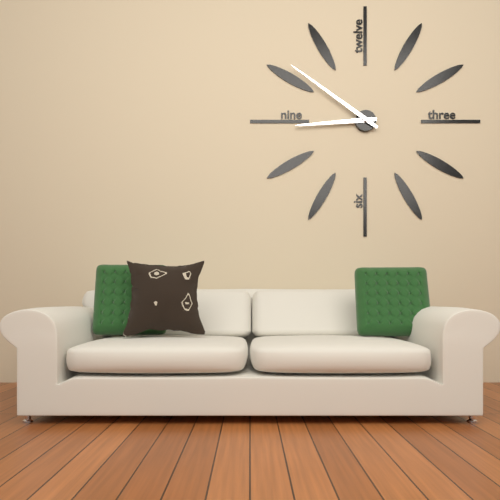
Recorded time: 8.51
